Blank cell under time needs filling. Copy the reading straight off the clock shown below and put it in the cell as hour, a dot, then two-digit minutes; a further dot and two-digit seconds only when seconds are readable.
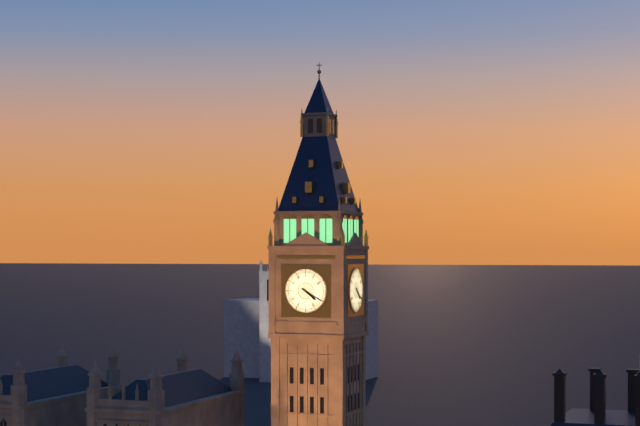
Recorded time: 4.20
